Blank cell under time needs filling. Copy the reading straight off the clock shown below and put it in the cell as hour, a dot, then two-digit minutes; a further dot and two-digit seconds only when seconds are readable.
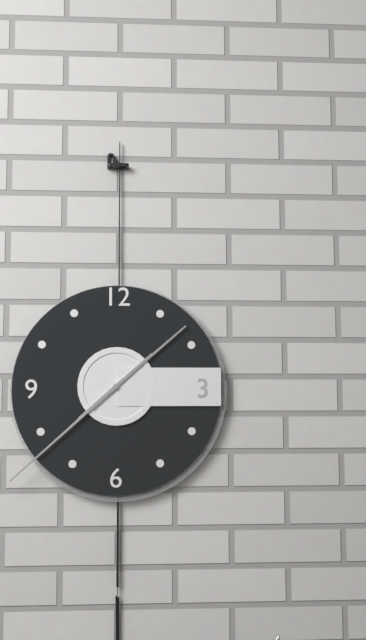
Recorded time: 1.38
